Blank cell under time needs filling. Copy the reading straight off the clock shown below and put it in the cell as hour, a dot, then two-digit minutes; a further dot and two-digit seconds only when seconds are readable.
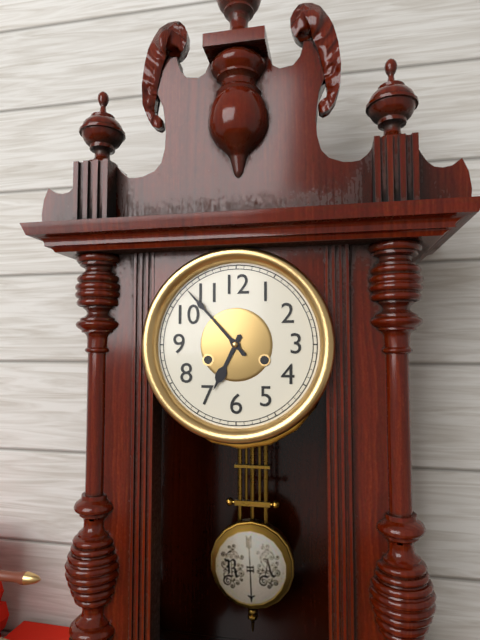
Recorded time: 6.53
